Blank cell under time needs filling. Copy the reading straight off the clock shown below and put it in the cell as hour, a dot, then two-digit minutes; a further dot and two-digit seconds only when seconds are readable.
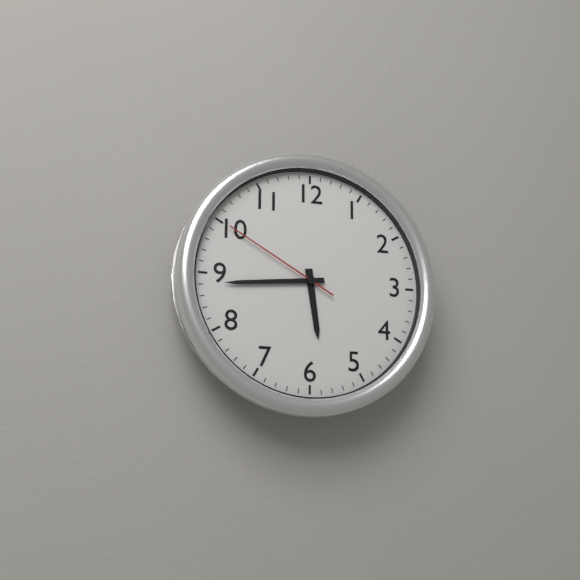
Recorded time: 5.44.50
